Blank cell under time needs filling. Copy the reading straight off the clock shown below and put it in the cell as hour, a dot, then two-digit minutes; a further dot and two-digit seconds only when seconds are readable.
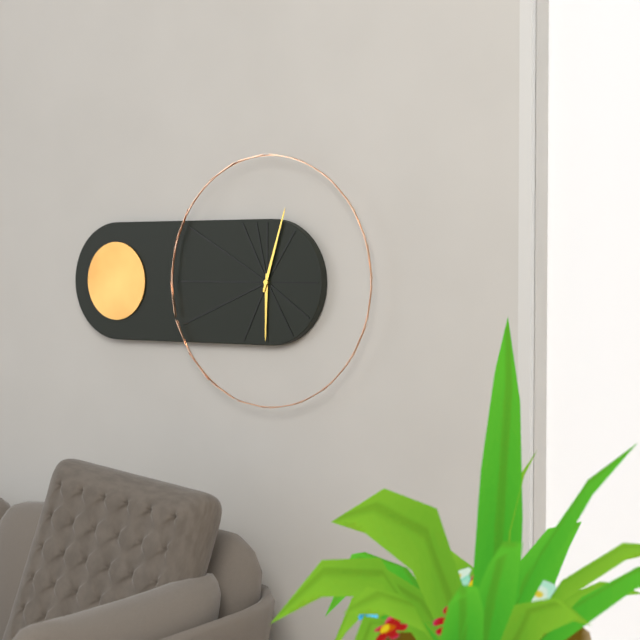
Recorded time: 6.03
